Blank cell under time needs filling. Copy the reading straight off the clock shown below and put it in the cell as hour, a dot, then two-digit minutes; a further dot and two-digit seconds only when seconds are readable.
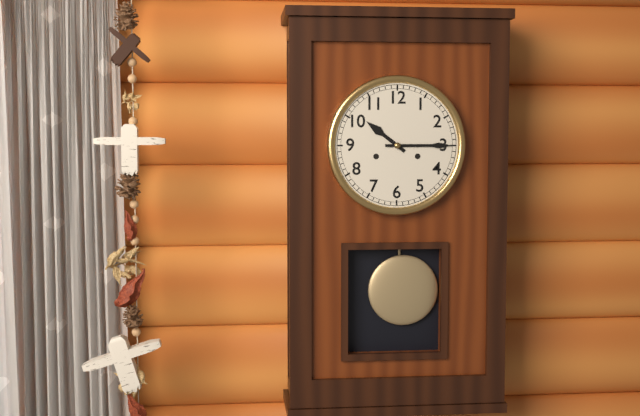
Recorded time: 10.15
